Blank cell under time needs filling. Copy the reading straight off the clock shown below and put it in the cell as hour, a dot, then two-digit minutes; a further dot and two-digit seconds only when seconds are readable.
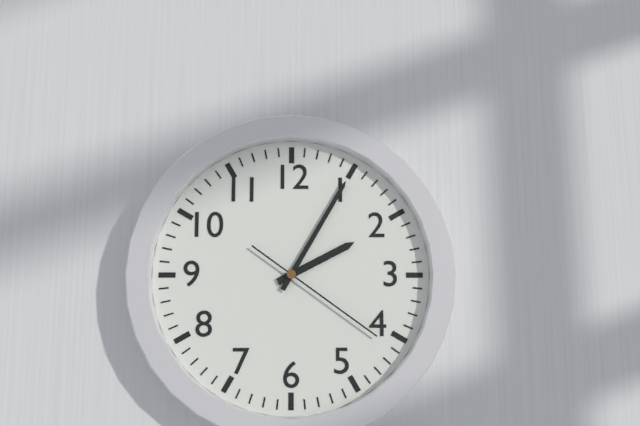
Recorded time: 2.05.21
